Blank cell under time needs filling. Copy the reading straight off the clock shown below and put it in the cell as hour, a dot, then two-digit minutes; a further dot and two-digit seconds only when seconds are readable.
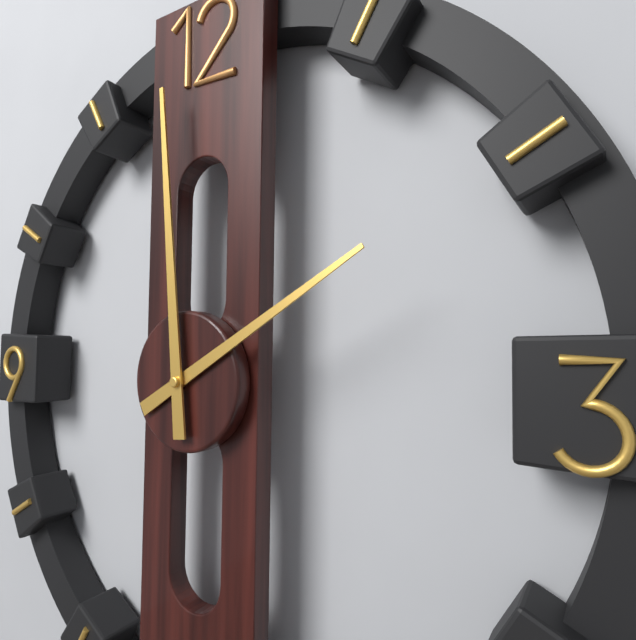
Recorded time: 1.59
